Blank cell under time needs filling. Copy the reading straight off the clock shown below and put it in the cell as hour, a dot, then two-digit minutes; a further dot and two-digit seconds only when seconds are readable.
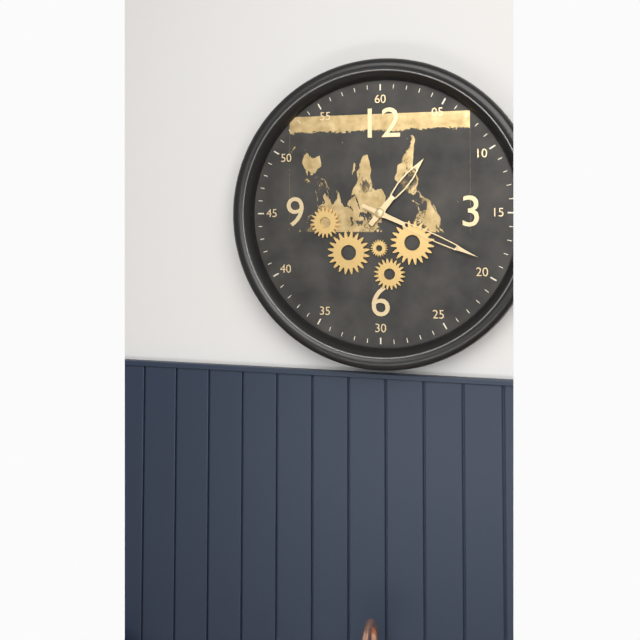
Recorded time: 1.19
